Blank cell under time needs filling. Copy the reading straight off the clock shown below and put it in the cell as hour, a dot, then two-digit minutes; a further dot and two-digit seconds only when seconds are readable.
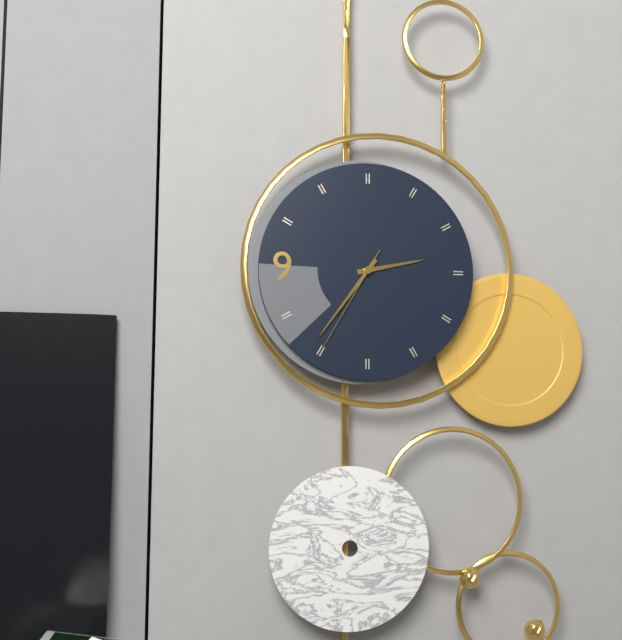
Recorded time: 2.36.35
